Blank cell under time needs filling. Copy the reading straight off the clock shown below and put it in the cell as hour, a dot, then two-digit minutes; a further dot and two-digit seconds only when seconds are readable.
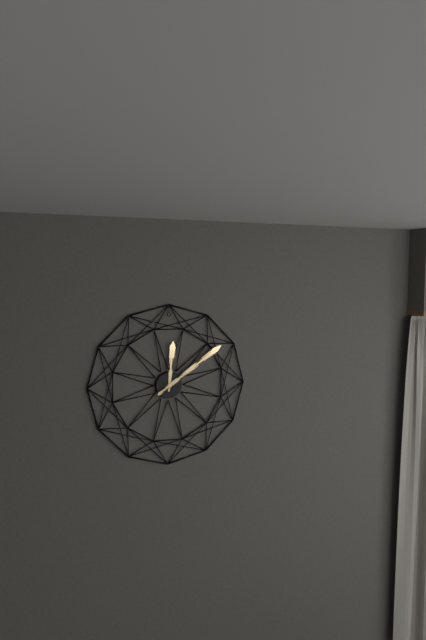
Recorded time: 12.09
